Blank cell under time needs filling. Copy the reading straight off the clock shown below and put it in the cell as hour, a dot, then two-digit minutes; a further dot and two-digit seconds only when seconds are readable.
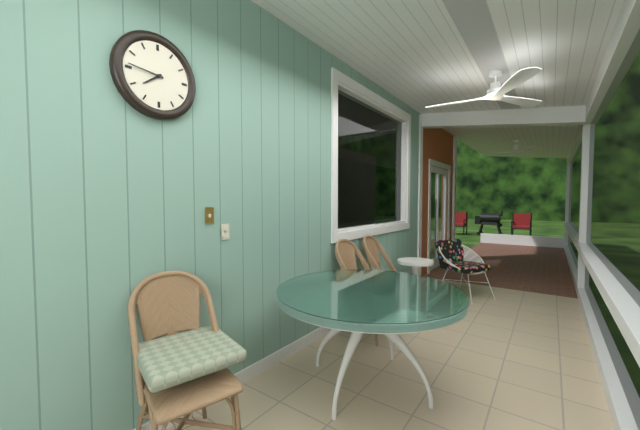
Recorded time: 7.46
